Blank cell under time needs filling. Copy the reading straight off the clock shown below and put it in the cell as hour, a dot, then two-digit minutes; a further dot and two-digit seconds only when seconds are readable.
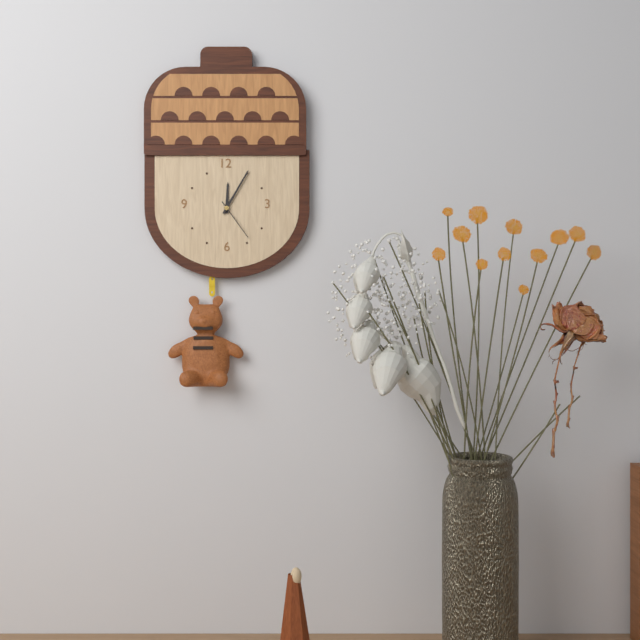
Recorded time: 12.05
